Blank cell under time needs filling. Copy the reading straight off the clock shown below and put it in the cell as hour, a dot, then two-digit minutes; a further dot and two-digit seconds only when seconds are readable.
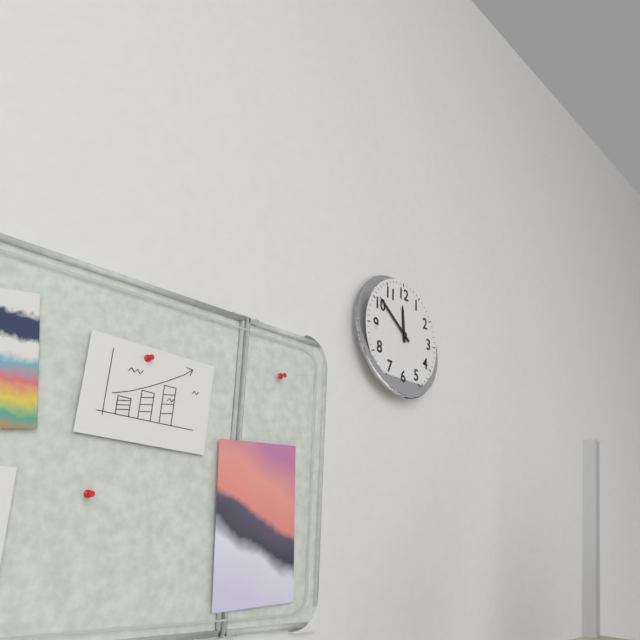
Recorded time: 11.51
